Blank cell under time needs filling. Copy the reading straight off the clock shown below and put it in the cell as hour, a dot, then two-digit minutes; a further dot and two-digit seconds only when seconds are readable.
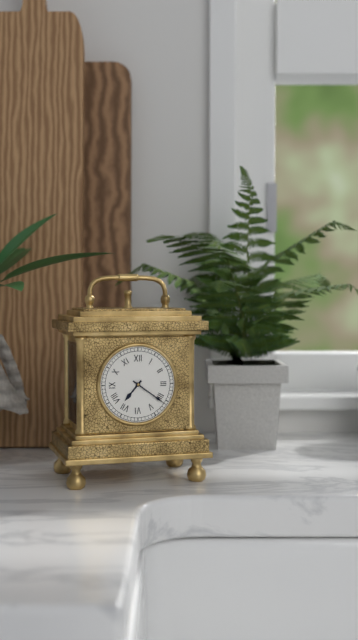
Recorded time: 7.21
